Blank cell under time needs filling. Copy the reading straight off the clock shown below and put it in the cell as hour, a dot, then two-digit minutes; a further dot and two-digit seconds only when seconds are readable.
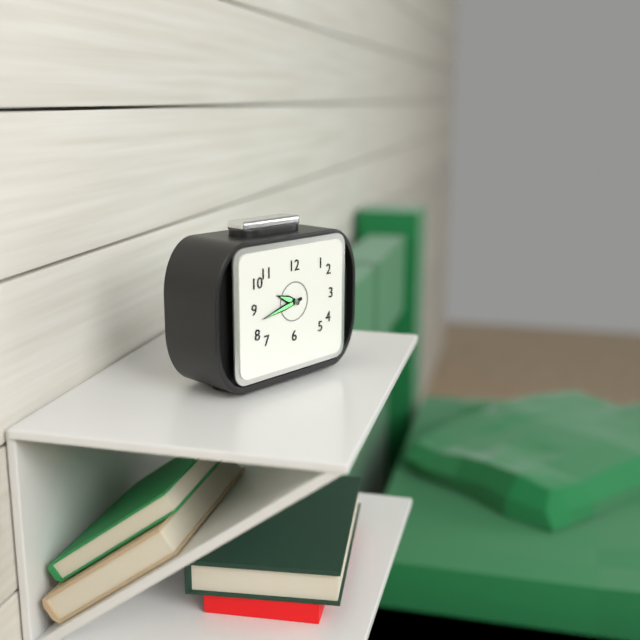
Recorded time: 9.43
